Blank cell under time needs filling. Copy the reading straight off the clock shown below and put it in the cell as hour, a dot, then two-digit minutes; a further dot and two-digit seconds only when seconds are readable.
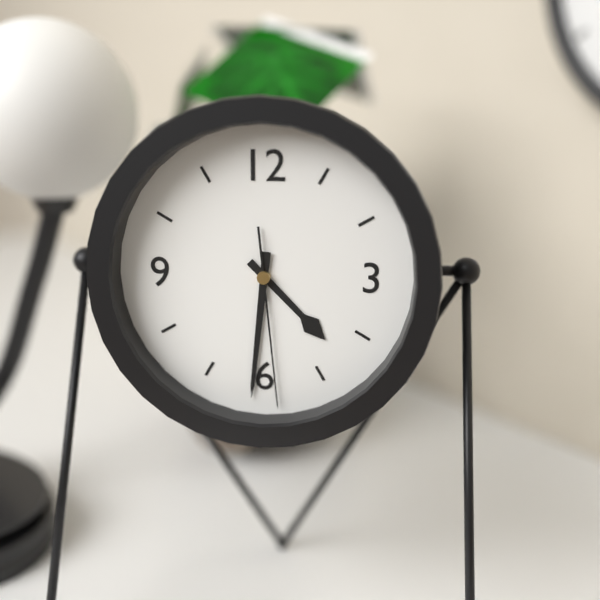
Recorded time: 4.31.29
